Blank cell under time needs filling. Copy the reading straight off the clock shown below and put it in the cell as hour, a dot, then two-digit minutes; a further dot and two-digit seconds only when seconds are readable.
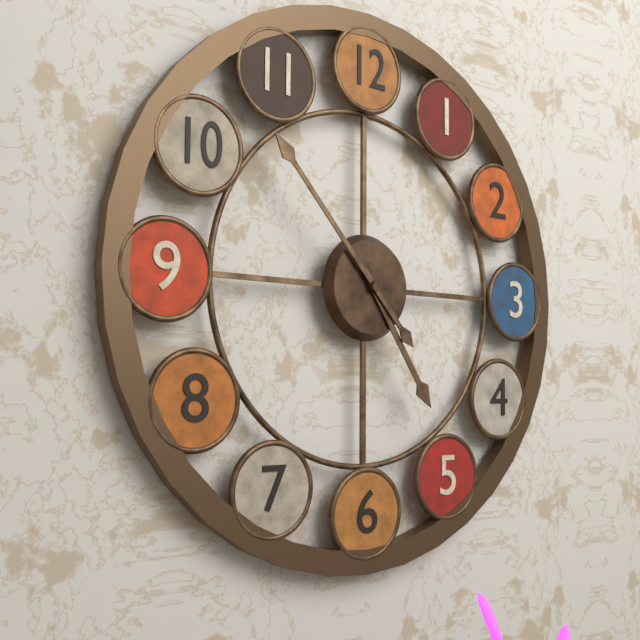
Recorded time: 4.53
